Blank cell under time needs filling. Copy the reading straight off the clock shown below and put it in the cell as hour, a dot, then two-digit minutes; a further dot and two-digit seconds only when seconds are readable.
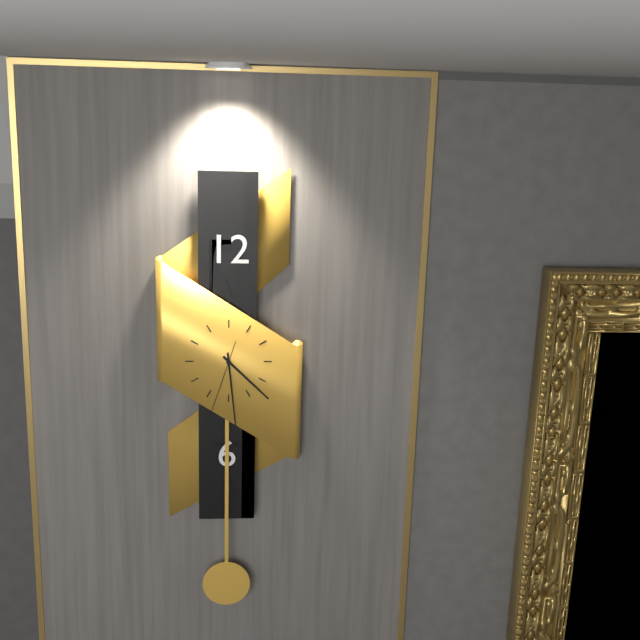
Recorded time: 4.29.33
